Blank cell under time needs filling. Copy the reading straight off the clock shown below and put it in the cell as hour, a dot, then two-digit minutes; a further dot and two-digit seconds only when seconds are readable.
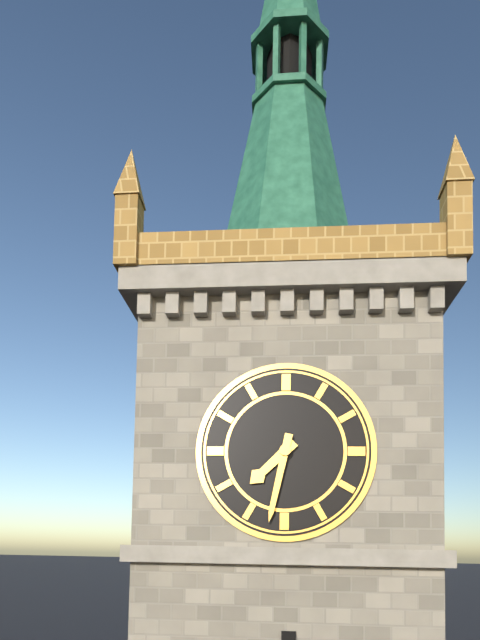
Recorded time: 7.32
